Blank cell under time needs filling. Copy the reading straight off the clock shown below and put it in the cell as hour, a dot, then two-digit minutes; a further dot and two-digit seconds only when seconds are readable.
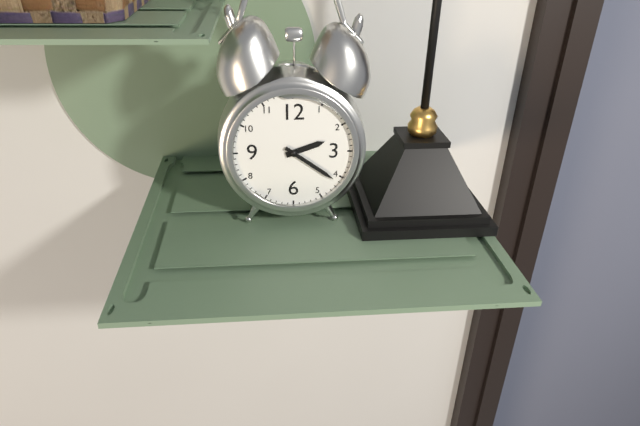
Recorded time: 2.21
